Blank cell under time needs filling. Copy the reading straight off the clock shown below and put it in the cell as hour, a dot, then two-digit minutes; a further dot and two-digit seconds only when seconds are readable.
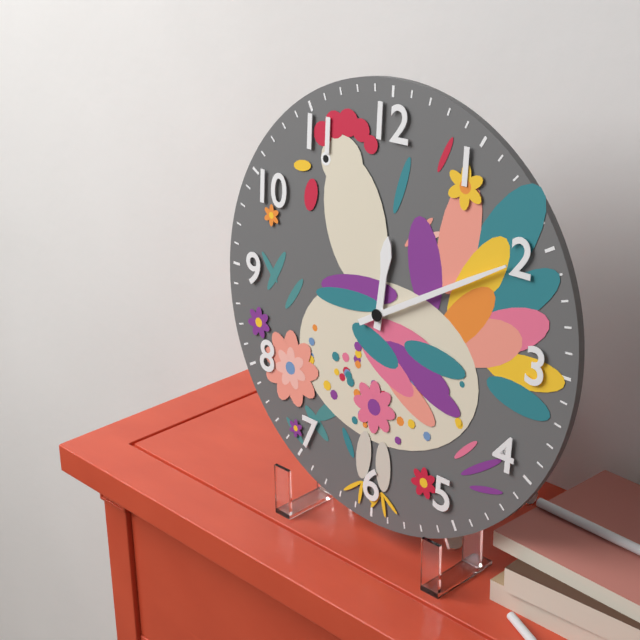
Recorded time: 12.10
